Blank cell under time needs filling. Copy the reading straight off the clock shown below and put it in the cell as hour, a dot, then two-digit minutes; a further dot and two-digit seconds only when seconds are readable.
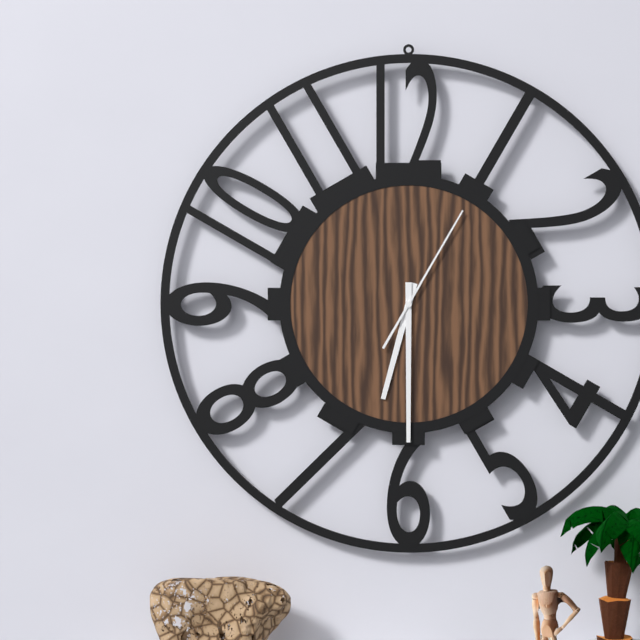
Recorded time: 6.30.05
